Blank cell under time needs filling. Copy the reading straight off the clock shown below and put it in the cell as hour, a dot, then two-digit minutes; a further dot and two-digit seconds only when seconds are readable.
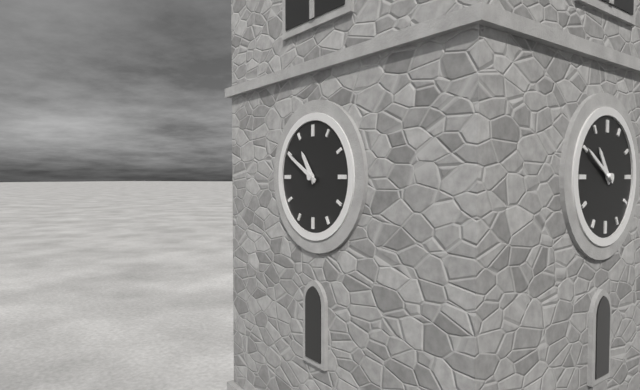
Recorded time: 10.50
